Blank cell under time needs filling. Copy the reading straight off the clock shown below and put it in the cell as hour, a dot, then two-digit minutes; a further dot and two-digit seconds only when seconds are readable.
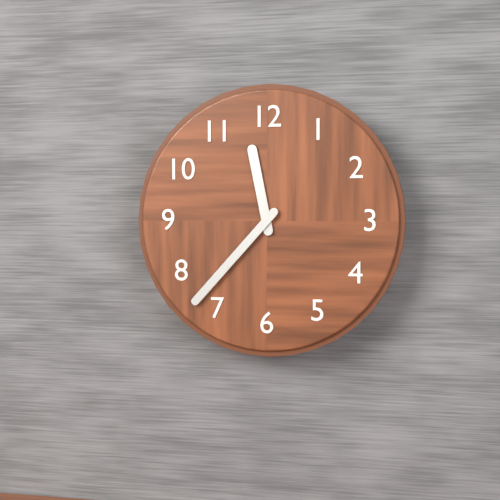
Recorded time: 11.37
